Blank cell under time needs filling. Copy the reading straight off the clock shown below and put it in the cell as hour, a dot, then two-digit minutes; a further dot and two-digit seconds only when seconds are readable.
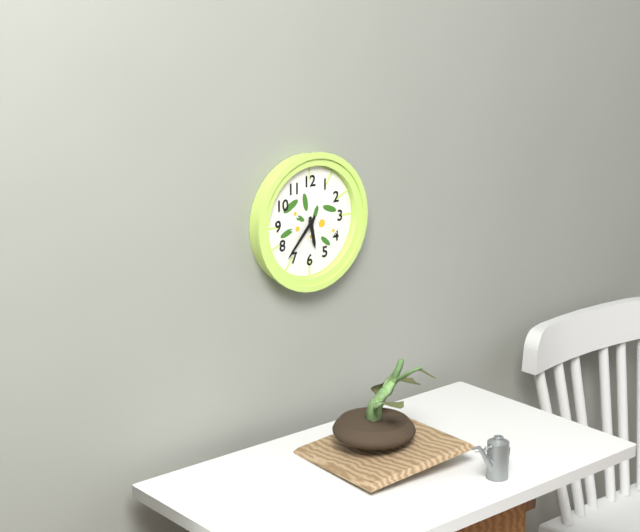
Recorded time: 5.37
